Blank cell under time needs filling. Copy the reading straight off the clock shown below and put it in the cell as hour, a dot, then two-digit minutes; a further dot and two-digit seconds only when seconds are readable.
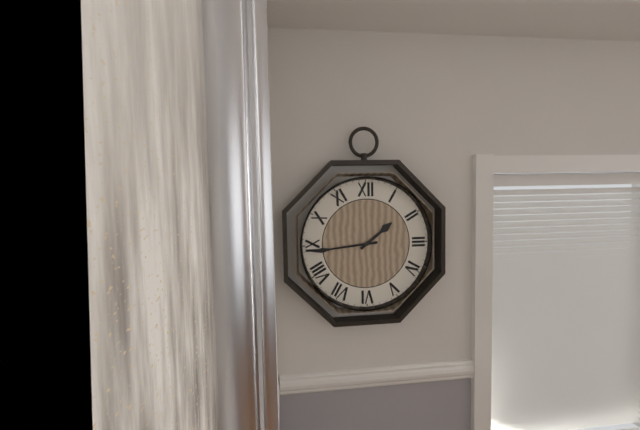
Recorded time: 1.44
